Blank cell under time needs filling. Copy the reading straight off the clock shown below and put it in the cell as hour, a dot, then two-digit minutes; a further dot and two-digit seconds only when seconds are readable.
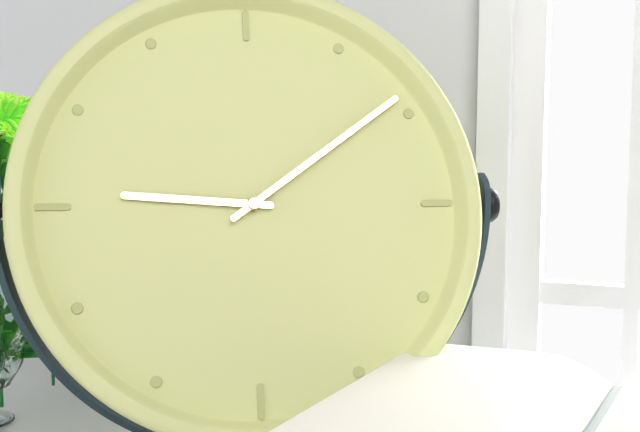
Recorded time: 9.09
